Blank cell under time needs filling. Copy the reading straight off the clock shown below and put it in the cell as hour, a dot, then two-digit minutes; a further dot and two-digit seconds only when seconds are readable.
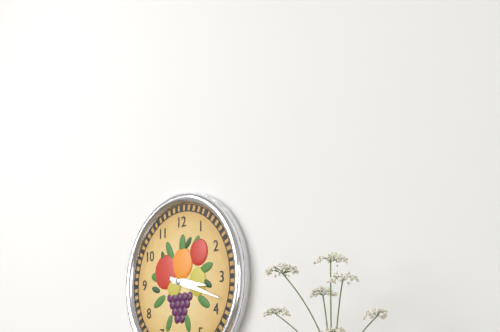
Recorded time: 3.18
